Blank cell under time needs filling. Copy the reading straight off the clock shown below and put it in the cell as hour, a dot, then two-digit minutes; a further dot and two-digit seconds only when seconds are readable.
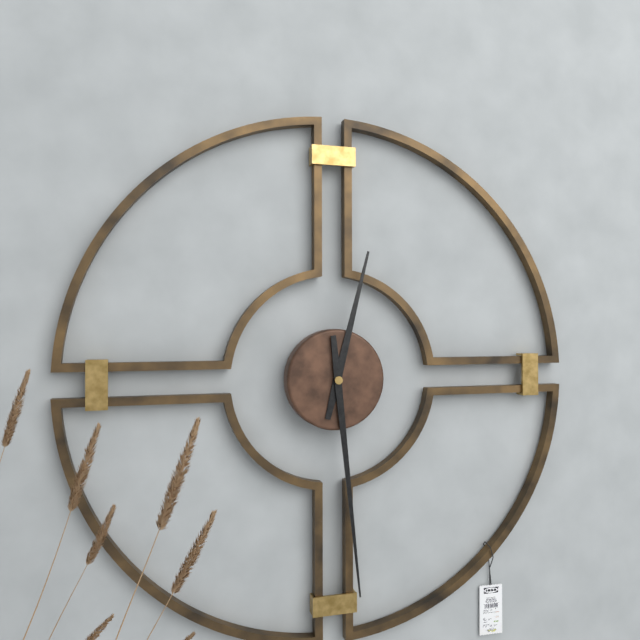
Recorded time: 12.29
